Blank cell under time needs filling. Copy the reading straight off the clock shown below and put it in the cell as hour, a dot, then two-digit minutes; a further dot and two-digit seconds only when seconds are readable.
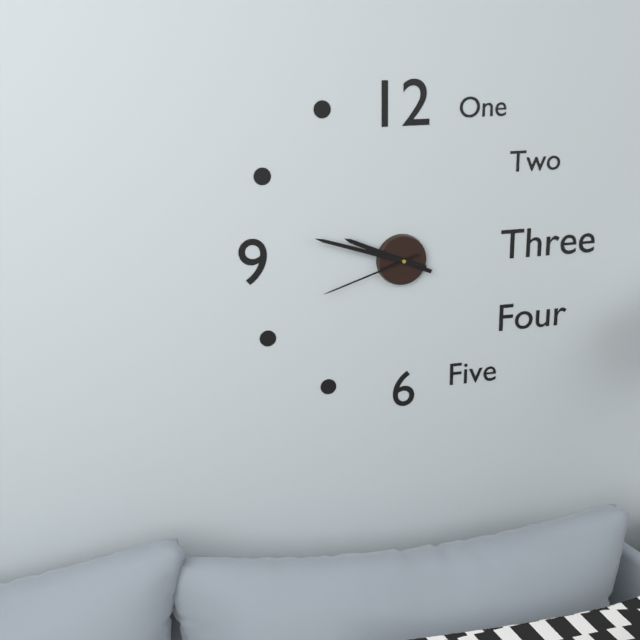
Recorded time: 9.48.42
